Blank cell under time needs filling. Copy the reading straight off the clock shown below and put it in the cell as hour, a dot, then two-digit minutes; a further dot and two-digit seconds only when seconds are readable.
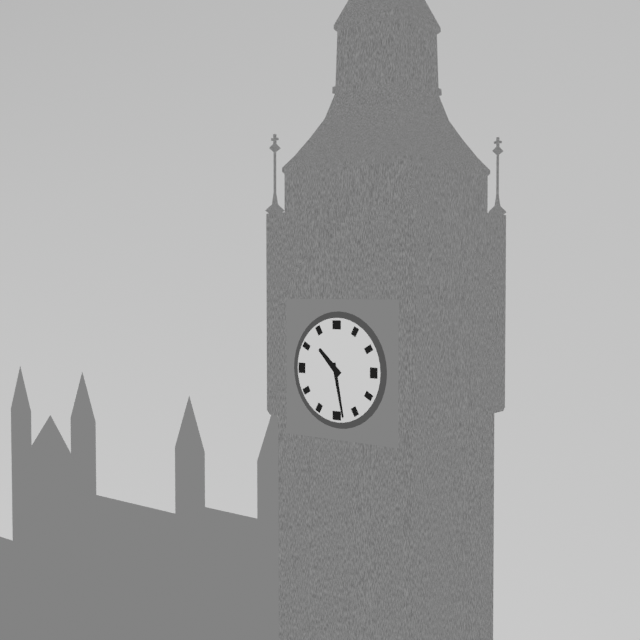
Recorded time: 10.28
